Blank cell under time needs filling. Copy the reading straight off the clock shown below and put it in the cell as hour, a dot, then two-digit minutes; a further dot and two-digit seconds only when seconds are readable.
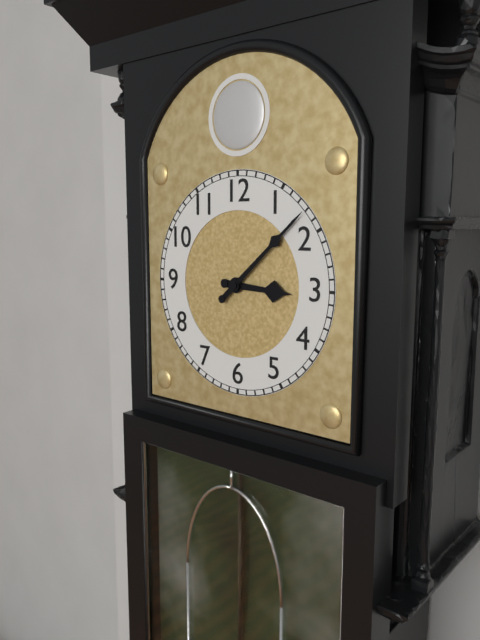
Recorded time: 3.08
